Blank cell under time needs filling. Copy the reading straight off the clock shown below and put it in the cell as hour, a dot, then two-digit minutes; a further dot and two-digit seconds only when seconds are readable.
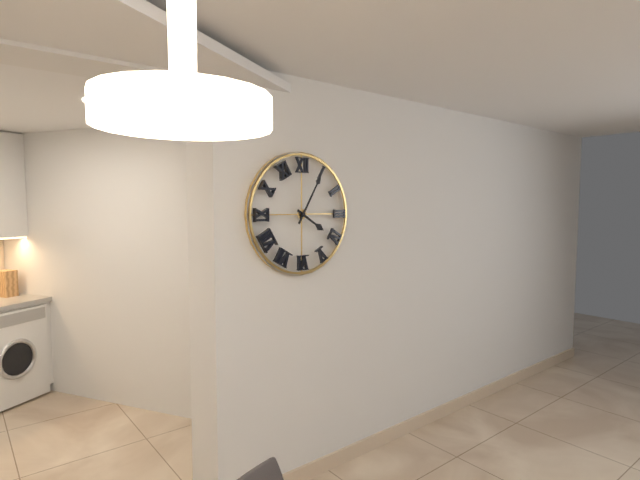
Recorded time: 4.05
